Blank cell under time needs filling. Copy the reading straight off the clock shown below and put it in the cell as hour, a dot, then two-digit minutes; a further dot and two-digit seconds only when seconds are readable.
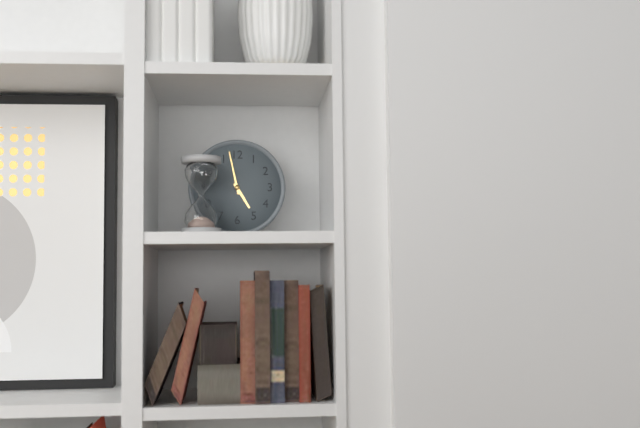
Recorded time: 4.58
